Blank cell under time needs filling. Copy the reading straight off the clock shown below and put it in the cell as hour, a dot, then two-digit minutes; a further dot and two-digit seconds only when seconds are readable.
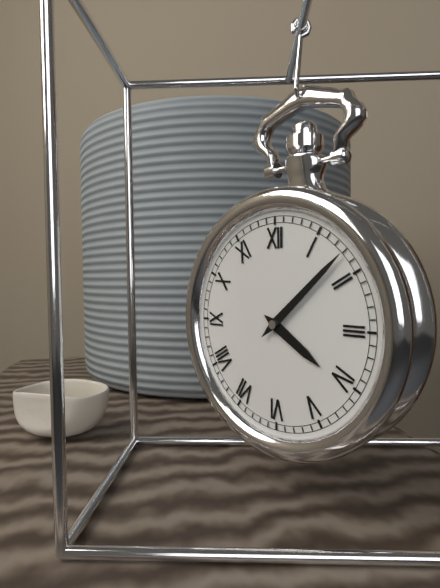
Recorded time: 4.08
